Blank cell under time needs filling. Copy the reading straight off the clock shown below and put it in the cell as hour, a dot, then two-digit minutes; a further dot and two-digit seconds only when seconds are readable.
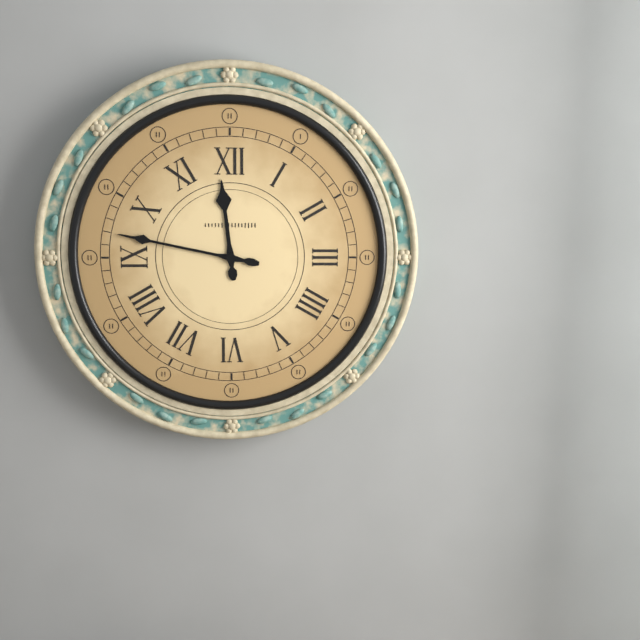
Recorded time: 11.47
